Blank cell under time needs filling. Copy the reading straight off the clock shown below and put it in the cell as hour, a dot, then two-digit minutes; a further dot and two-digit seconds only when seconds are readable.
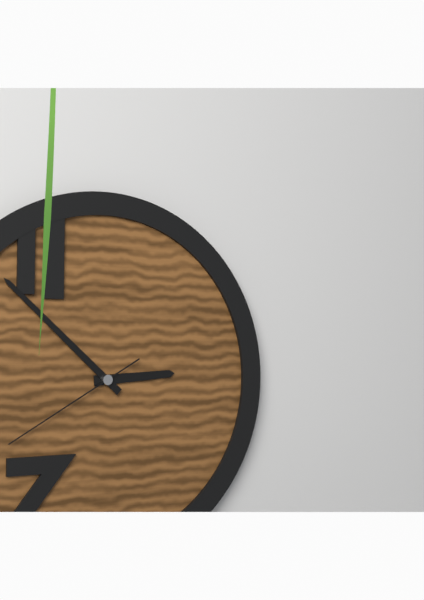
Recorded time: 2.52.40
